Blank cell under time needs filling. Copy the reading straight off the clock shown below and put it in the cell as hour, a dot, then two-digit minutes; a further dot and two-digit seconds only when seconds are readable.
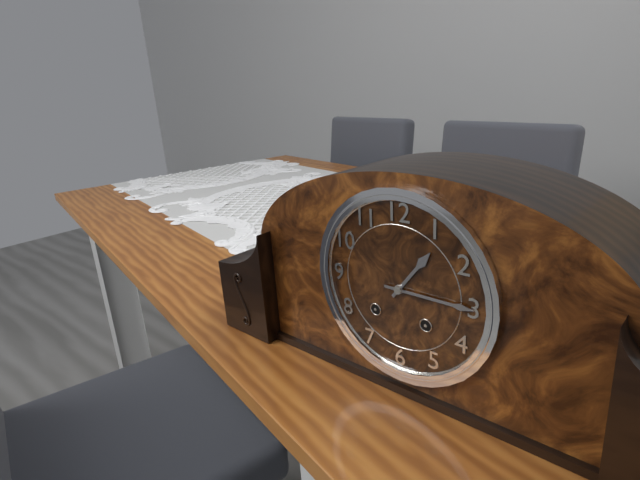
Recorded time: 1.15
